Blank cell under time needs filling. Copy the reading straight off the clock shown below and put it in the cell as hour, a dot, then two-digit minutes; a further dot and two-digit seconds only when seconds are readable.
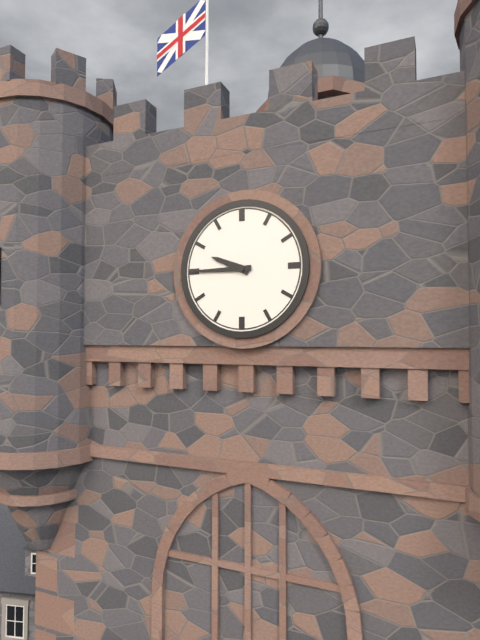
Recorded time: 9.45
